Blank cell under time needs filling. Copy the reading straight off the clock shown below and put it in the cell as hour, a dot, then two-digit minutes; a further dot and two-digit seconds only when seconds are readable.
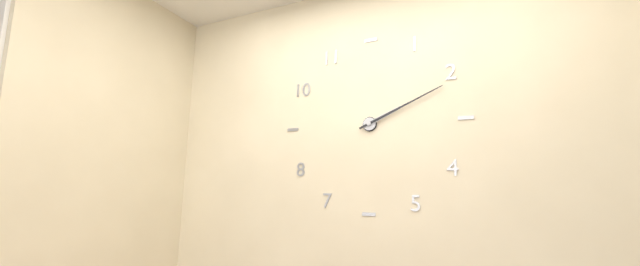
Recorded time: 2.11
